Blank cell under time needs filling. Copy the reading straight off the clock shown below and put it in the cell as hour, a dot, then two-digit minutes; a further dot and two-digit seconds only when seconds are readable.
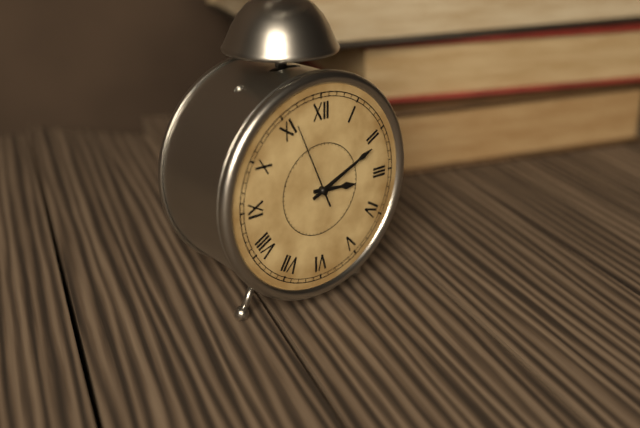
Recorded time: 3.11.56
